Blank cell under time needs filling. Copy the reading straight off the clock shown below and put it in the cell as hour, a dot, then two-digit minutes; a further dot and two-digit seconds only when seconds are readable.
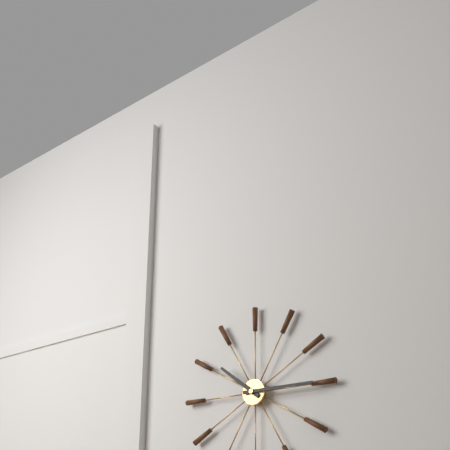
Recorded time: 10.15
